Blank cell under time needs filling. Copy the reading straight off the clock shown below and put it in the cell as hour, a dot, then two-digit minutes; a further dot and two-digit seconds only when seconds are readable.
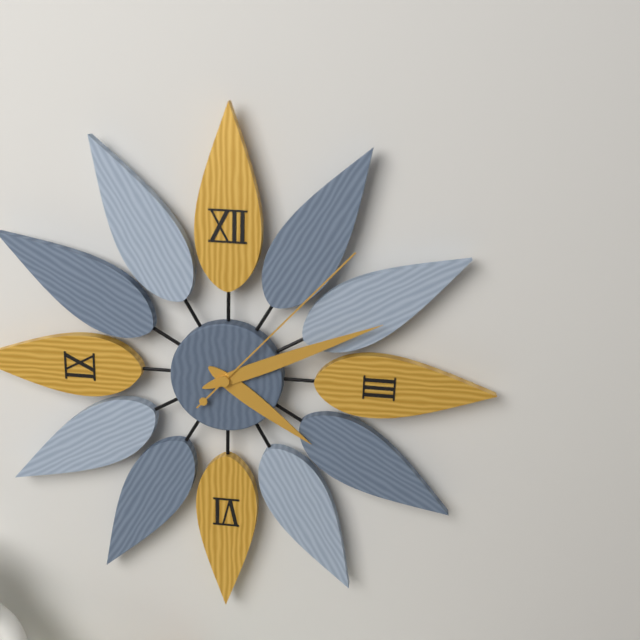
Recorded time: 4.11.07
